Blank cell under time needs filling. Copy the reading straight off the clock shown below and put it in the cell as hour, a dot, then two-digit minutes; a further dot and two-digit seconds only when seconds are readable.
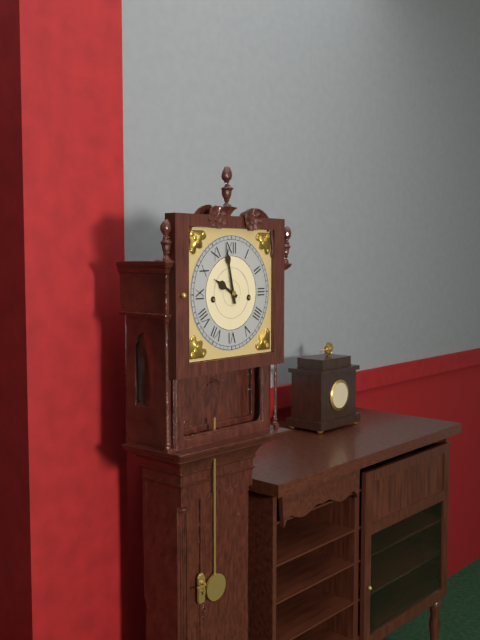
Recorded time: 9.58
